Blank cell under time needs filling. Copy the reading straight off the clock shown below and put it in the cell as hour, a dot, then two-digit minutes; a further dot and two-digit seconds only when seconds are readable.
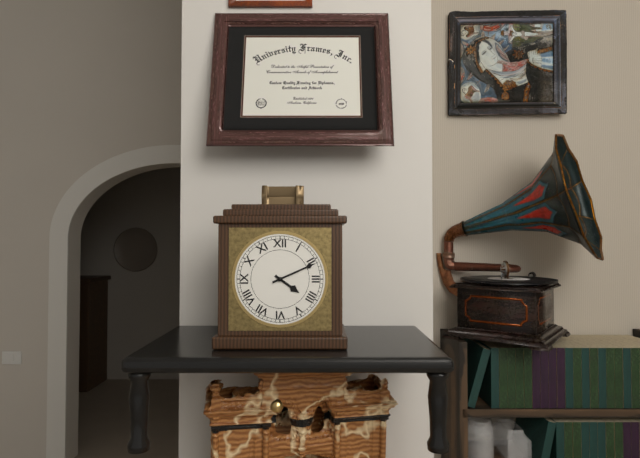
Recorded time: 4.11
